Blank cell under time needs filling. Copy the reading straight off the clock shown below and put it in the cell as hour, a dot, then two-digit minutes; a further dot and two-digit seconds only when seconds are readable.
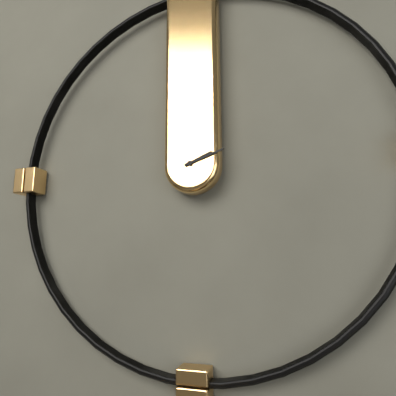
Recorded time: 2.12
